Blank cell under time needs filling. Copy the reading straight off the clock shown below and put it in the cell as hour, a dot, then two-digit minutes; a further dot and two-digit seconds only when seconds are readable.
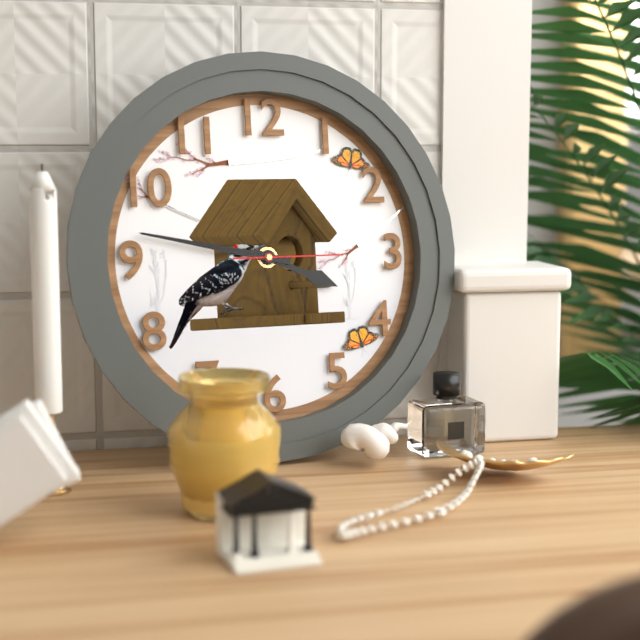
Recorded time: 3.47.15
